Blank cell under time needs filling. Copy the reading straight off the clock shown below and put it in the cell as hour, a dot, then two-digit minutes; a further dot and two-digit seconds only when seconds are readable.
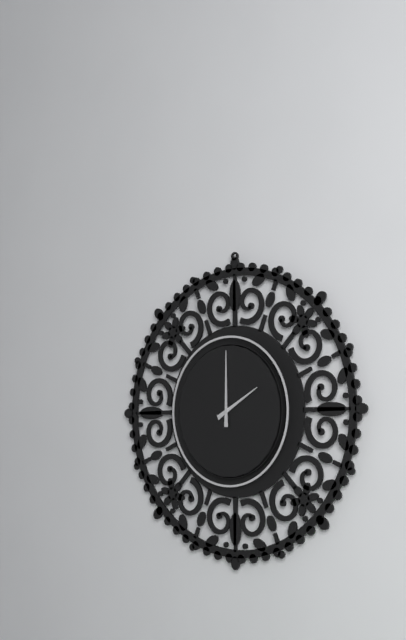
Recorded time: 2.00
